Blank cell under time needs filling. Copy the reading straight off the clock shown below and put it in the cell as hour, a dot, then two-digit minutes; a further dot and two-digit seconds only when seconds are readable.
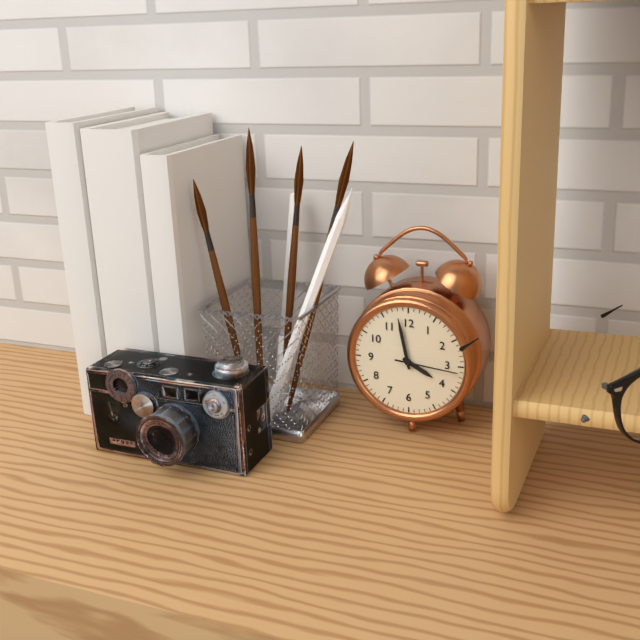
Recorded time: 3.58.16
